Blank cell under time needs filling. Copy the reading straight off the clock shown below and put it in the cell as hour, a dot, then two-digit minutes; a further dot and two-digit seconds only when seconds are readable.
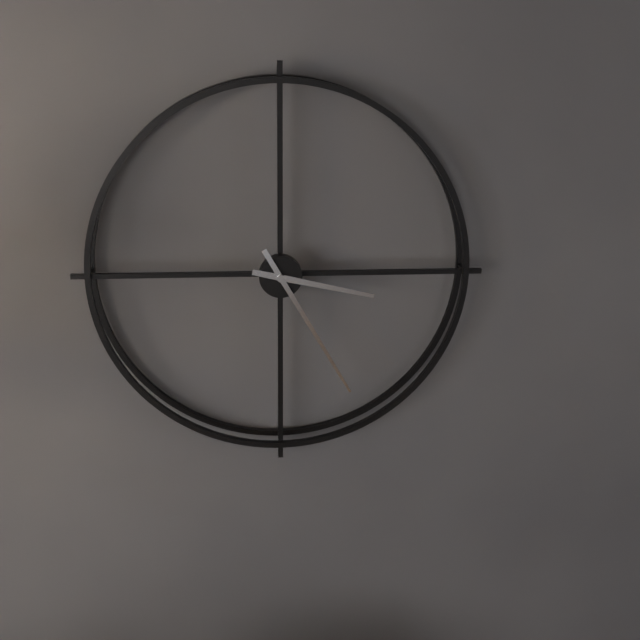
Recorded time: 3.25
